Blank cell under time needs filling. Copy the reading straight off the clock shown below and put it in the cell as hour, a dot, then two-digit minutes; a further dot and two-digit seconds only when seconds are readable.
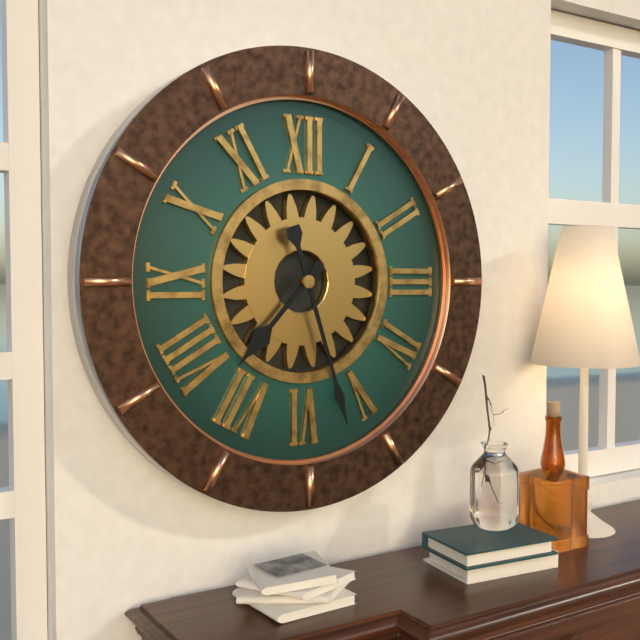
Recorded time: 7.27
